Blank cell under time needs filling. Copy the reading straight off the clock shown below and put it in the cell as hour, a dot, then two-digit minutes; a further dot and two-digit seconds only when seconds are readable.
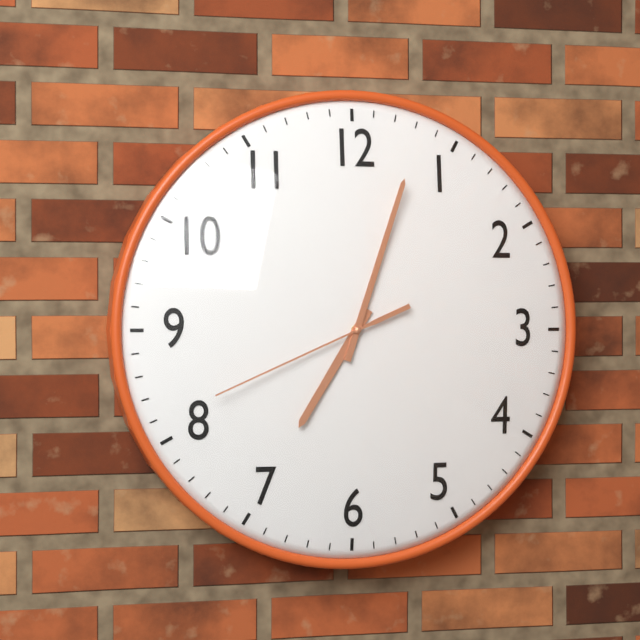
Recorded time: 7.03.41
